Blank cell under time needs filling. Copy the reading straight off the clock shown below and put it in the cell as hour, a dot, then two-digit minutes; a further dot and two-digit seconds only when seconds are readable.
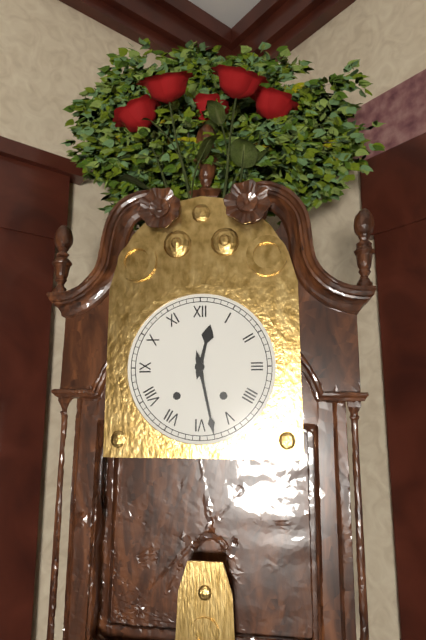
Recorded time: 12.28
